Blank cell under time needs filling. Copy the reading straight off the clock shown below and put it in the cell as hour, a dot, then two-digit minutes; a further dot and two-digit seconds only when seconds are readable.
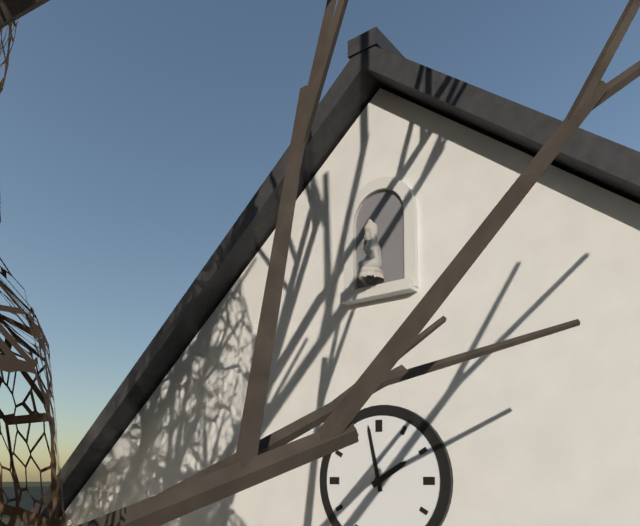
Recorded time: 1.58
